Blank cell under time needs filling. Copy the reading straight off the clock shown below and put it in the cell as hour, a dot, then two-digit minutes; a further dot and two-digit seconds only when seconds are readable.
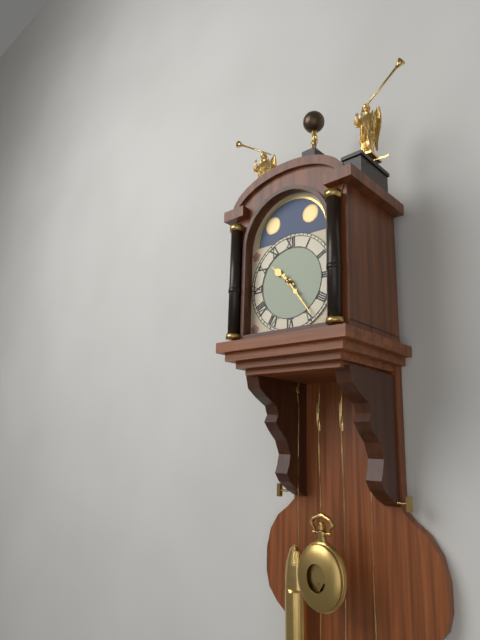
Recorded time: 10.24
